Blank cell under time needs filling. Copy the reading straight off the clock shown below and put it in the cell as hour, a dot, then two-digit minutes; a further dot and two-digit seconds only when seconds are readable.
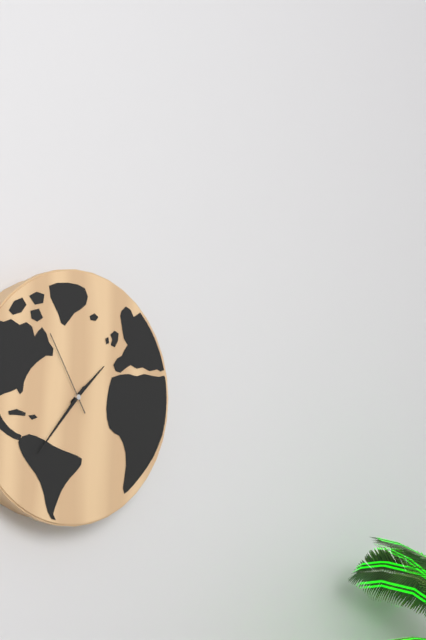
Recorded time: 1.37.55
